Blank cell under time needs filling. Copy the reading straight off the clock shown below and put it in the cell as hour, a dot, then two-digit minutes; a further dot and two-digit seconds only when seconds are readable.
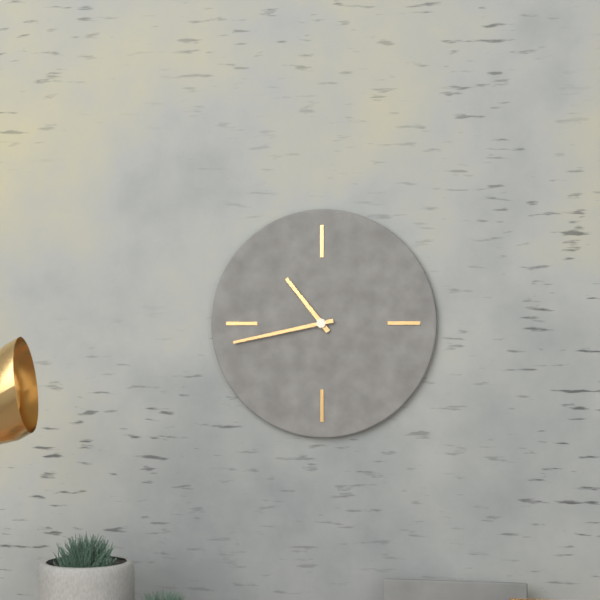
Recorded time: 10.43
